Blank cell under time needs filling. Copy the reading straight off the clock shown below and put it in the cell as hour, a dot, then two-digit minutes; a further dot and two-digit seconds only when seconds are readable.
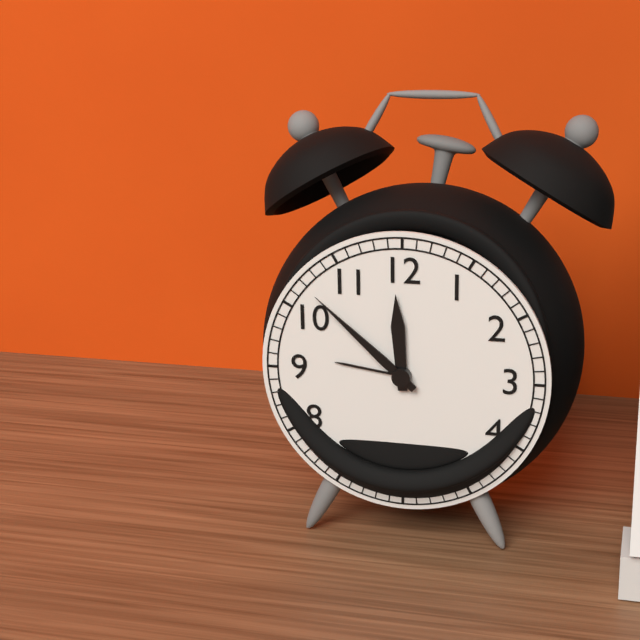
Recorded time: 11.52
